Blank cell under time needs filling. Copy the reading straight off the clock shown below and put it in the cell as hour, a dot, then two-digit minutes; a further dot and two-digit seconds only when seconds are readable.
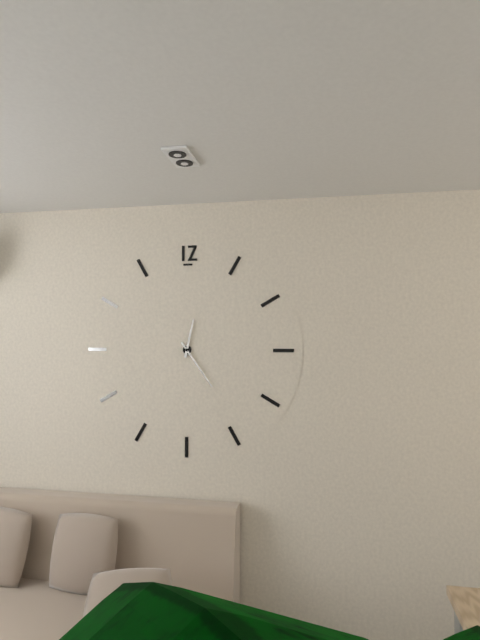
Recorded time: 12.24
